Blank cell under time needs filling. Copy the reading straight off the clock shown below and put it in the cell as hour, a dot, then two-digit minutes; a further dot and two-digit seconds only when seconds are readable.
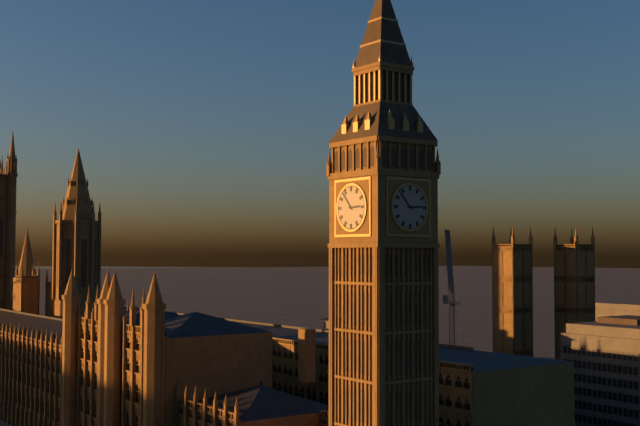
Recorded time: 2.53
